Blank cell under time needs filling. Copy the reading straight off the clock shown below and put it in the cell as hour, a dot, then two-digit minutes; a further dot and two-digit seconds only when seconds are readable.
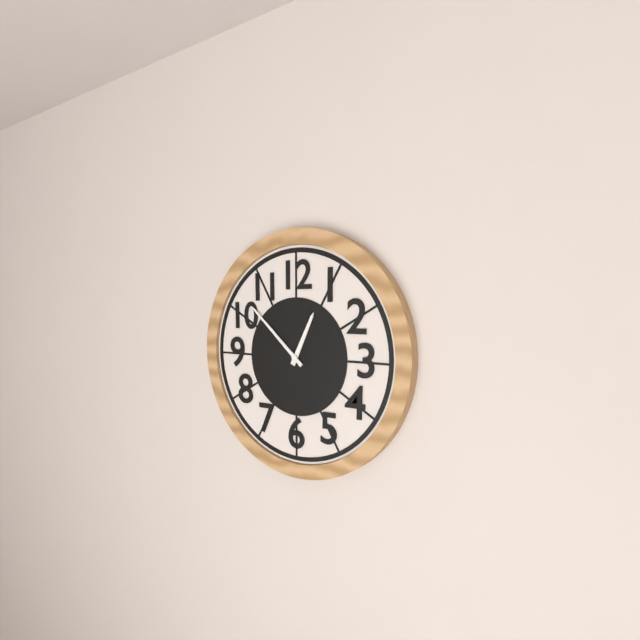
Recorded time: 12.52
